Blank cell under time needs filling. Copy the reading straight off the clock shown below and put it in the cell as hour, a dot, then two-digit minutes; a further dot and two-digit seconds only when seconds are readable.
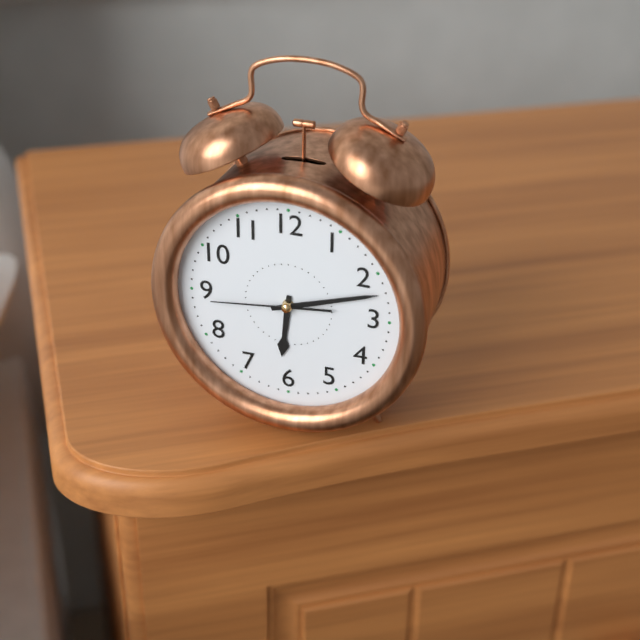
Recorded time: 6.12.44
